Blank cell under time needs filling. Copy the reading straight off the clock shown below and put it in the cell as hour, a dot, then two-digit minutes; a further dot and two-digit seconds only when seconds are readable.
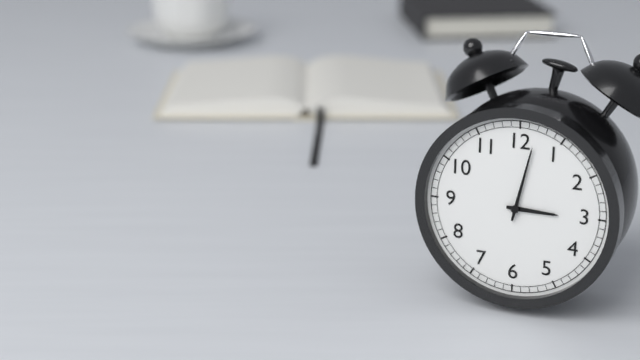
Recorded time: 3.02
